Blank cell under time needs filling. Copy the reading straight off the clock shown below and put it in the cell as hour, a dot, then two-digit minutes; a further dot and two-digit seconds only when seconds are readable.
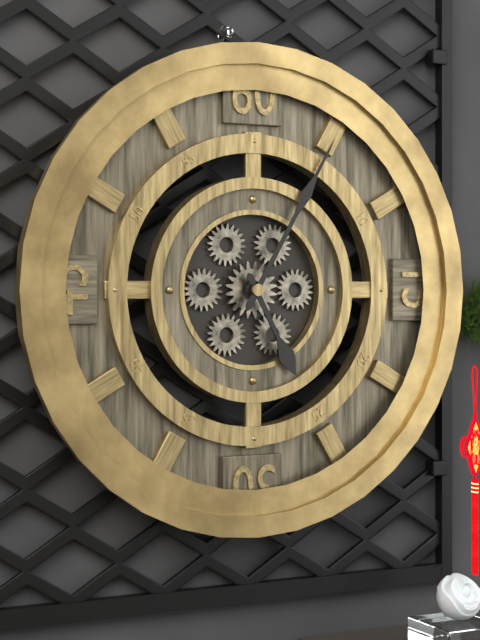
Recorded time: 5.05
